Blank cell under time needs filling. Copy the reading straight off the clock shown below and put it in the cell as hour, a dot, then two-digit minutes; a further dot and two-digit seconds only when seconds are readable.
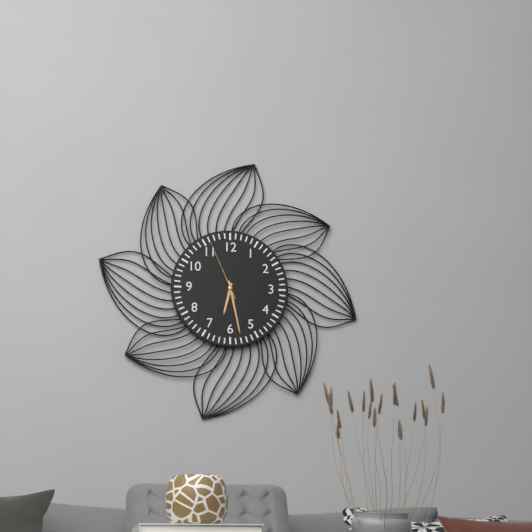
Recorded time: 6.28.56
